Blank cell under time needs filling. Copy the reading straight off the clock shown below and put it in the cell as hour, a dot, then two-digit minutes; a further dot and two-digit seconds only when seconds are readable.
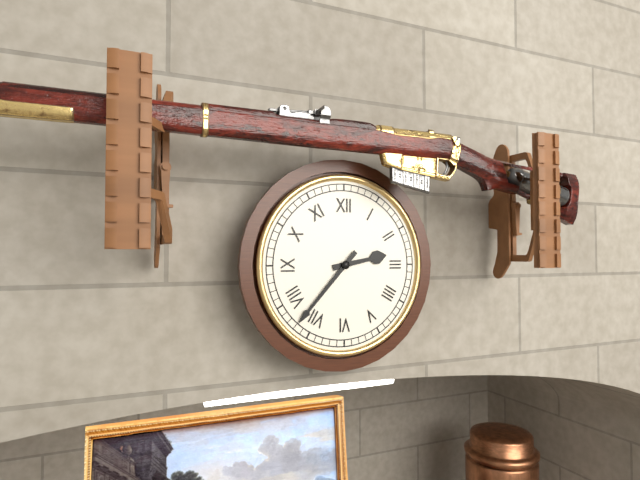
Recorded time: 2.37
